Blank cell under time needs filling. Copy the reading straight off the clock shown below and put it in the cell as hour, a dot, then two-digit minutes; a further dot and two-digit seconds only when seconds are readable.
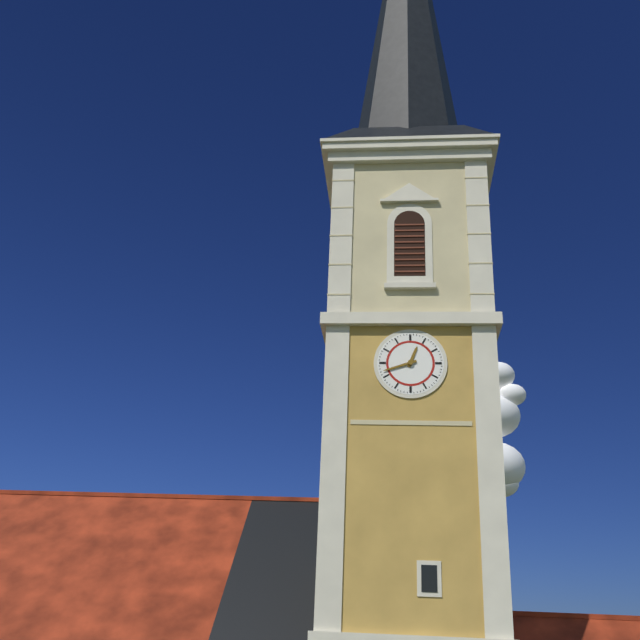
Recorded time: 12.42
